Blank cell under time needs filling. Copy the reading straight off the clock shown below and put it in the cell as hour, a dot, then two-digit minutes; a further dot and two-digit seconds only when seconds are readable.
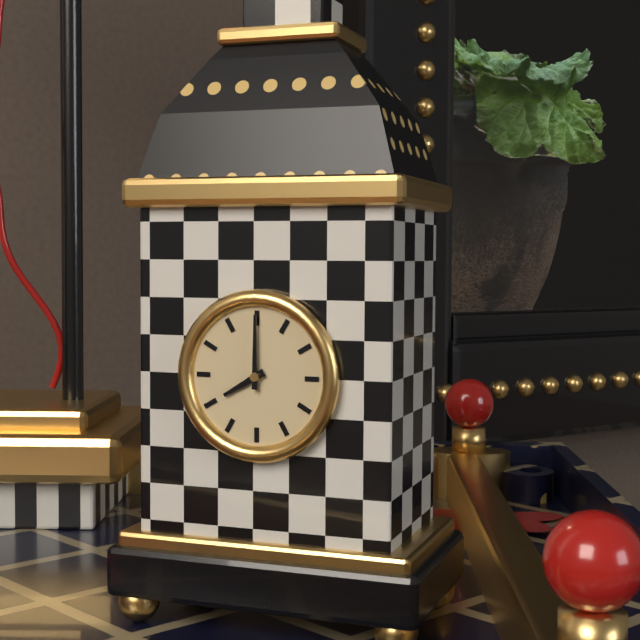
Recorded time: 8.00
